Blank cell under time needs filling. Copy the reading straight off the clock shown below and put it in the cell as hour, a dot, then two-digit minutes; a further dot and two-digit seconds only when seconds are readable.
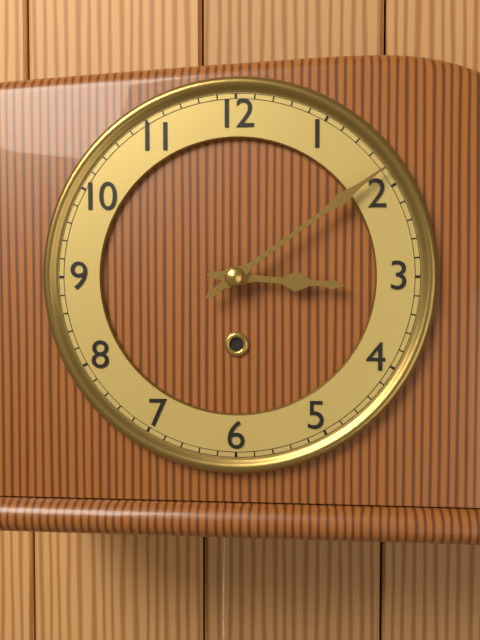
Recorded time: 3.09
